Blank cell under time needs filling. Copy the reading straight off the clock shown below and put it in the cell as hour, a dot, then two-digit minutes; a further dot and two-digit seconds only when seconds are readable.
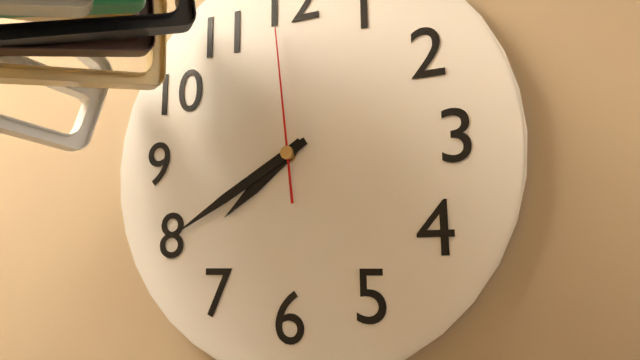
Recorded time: 7.40.59
